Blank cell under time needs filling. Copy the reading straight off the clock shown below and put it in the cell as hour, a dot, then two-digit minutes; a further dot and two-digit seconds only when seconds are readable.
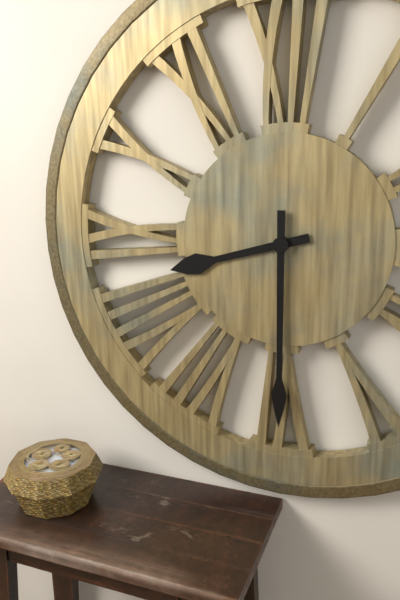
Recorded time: 8.30
